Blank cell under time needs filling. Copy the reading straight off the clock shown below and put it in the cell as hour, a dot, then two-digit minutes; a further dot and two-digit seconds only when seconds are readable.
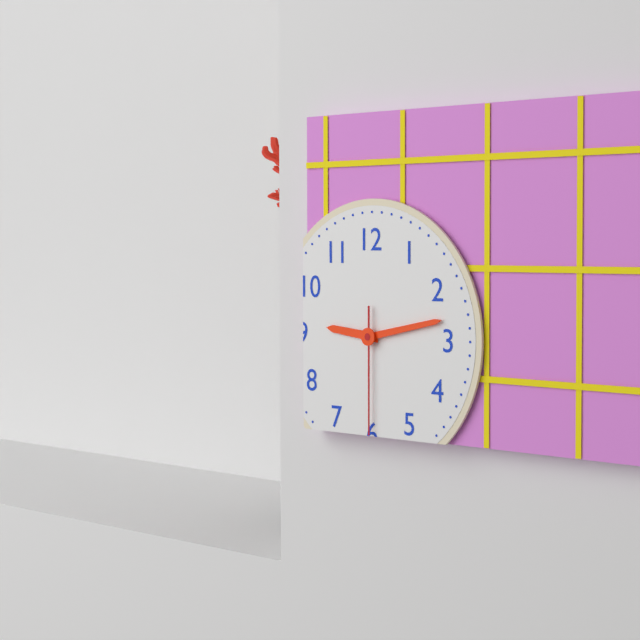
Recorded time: 9.13.30
